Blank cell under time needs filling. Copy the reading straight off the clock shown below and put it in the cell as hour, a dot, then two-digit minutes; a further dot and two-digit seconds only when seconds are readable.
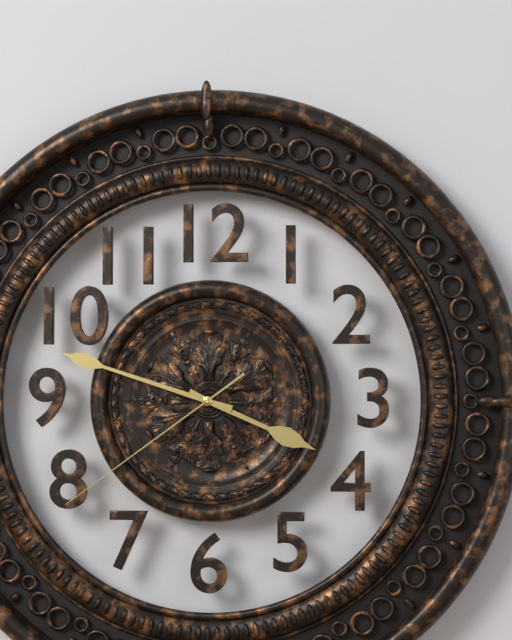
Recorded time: 3.48.39
